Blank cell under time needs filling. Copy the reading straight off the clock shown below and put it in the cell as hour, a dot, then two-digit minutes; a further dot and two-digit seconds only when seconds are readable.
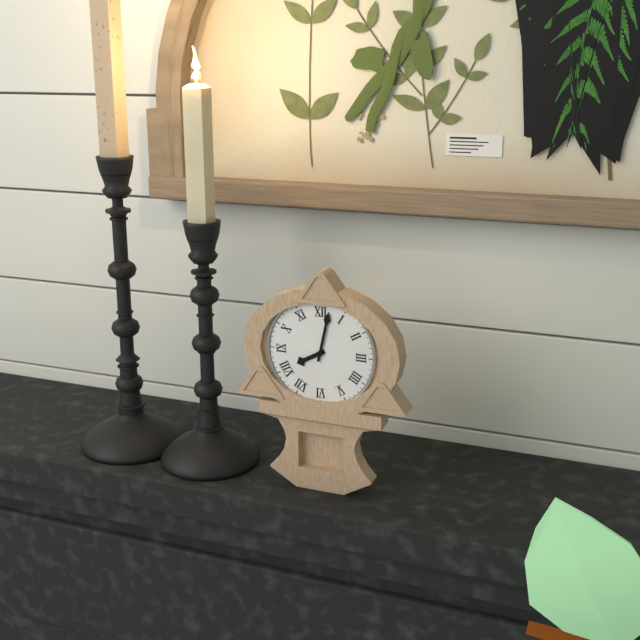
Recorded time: 8.02
